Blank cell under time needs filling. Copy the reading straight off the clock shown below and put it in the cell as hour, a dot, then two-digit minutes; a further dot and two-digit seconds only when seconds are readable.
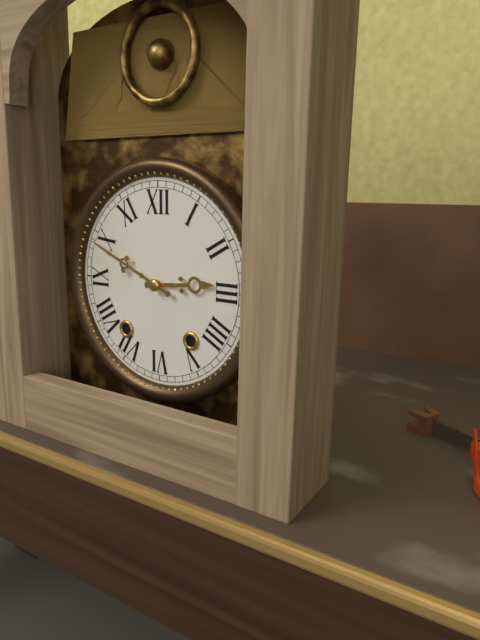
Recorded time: 2.49
